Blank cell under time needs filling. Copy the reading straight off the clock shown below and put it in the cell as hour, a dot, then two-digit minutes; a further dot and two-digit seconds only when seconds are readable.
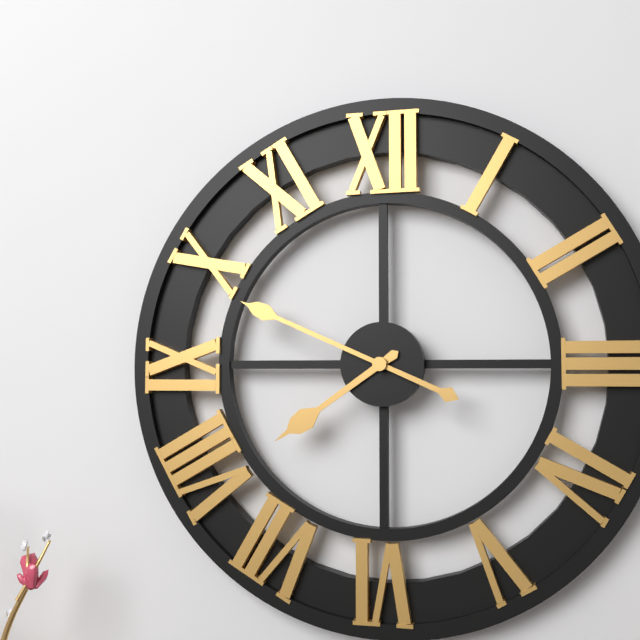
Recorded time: 7.49
